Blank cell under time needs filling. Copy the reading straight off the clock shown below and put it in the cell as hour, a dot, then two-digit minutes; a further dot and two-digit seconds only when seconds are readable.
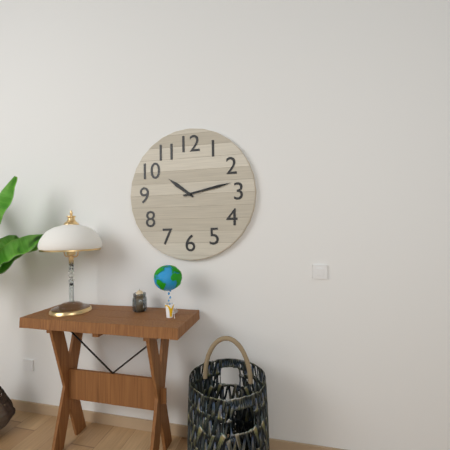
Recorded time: 10.13
